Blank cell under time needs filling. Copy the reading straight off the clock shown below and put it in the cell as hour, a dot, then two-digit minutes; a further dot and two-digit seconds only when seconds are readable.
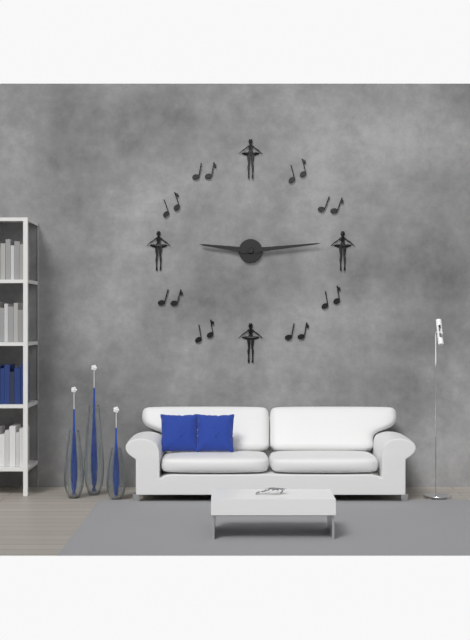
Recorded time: 9.14
